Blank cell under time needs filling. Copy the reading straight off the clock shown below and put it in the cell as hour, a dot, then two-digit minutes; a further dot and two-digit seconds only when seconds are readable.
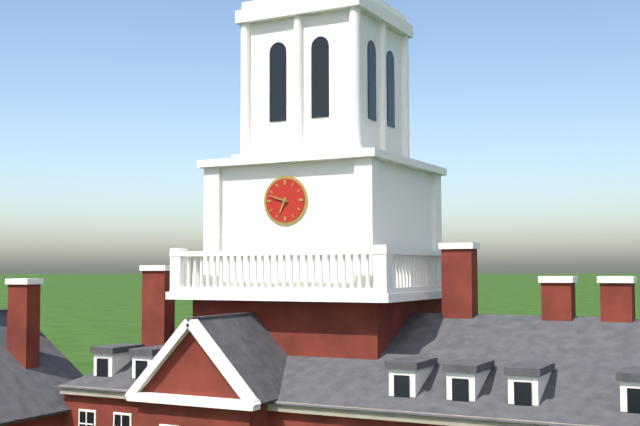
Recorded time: 6.48
